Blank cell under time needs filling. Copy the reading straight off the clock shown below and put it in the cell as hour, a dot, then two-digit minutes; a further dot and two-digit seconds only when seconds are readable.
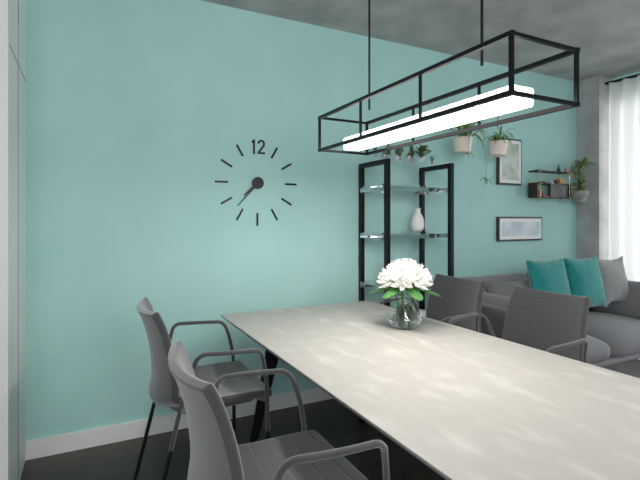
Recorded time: 7.37
